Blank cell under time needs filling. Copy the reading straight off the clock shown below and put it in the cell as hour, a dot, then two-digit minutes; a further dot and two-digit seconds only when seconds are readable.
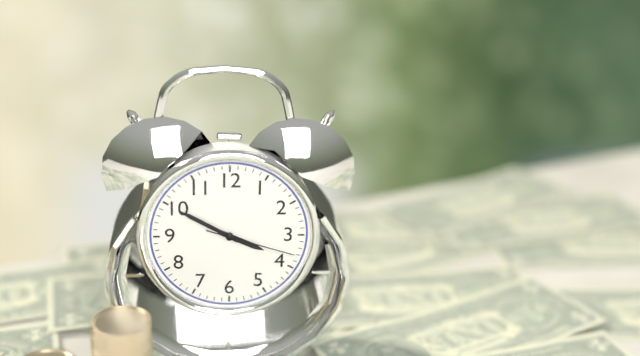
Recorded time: 3.50.18
